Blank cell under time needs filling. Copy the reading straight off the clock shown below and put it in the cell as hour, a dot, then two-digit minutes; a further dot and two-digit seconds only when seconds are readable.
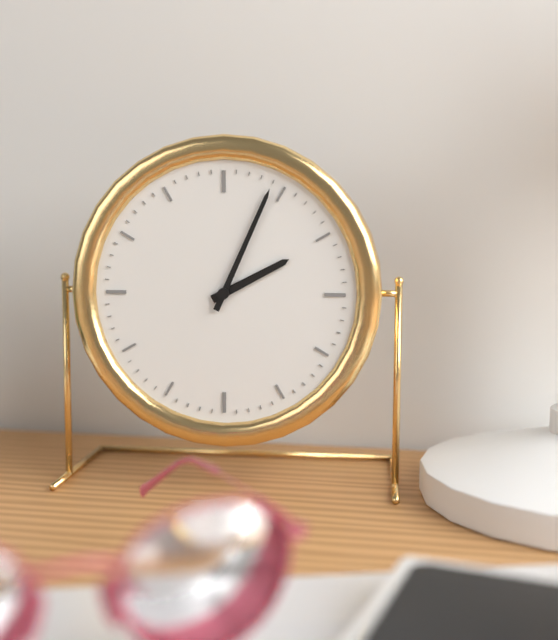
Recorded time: 2.04
